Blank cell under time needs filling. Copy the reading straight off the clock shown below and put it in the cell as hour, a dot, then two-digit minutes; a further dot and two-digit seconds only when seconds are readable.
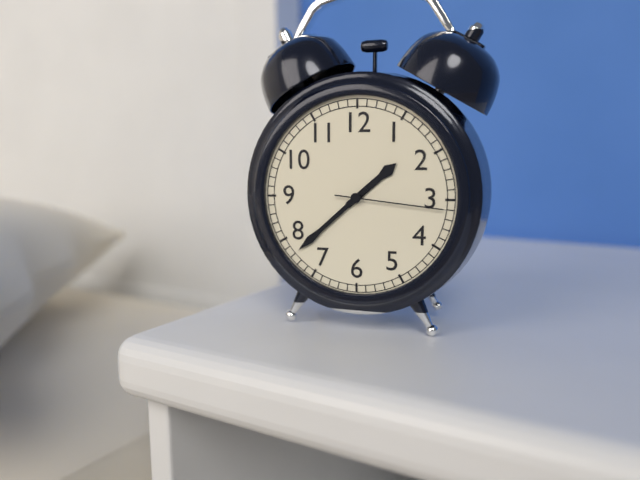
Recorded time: 1.38.16
